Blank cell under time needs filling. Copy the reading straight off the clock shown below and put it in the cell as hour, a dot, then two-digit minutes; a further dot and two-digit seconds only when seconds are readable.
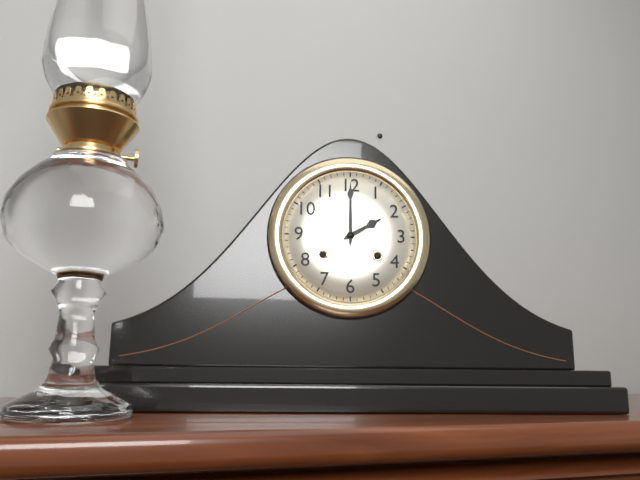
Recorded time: 2.00
